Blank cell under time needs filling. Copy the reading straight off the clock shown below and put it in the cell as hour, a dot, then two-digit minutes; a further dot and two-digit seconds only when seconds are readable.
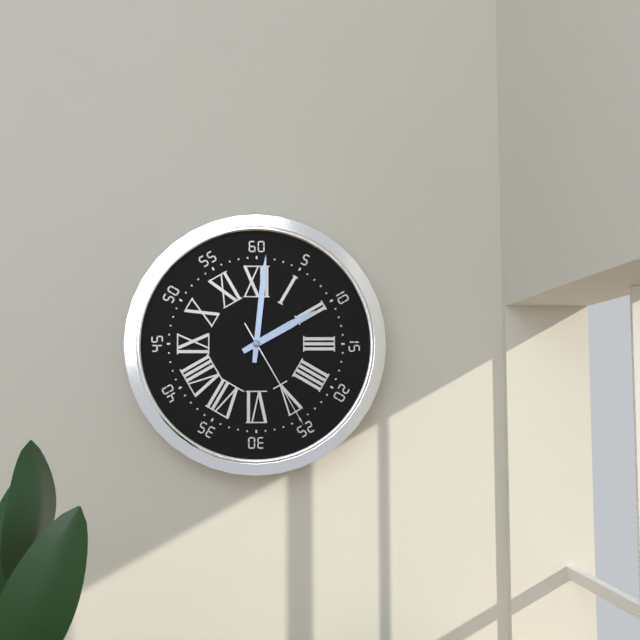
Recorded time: 2.01.25
